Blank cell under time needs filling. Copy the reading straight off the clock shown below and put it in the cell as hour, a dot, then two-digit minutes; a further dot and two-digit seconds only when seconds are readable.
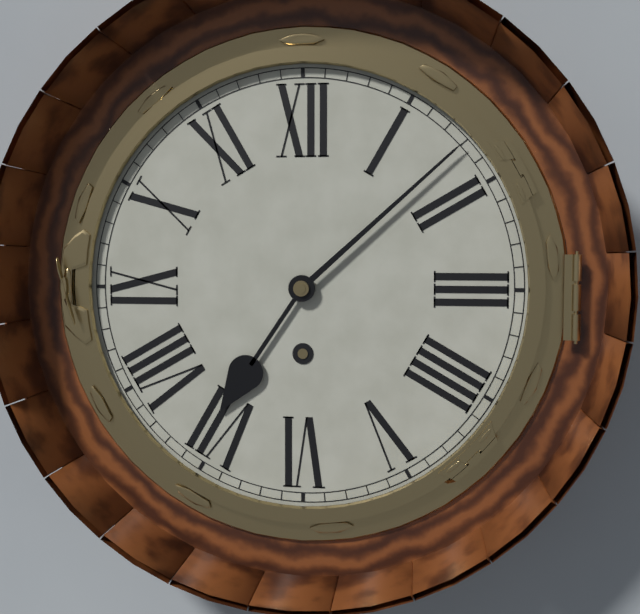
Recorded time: 7.08
